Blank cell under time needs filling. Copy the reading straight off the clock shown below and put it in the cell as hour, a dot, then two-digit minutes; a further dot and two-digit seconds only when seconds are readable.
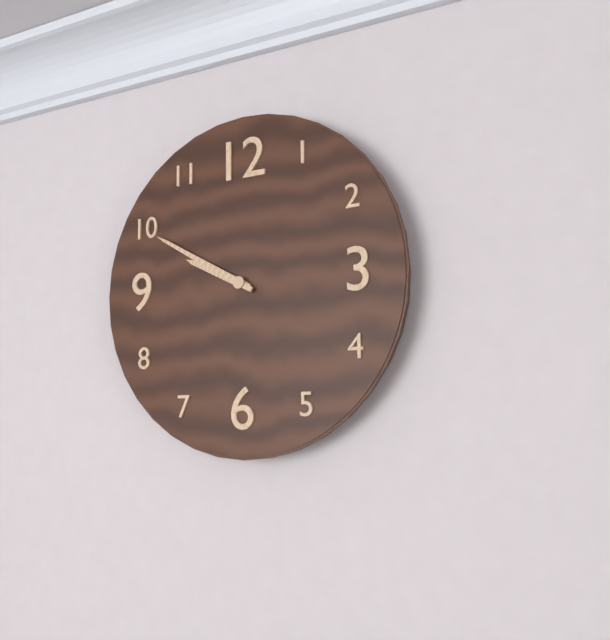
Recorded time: 9.50
